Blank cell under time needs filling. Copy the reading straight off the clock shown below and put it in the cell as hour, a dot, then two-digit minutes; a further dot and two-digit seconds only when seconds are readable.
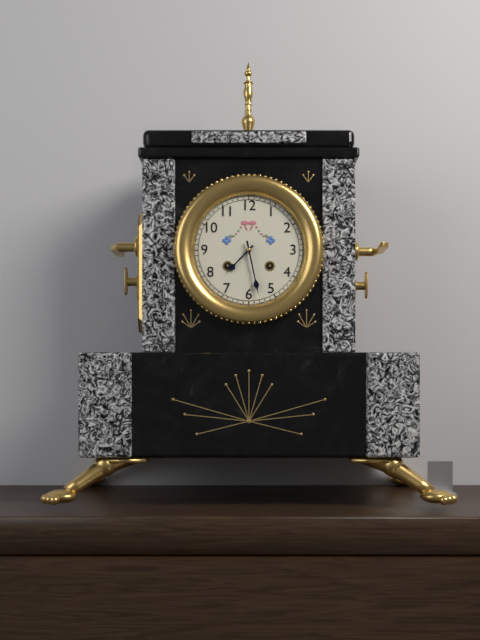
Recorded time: 7.28
